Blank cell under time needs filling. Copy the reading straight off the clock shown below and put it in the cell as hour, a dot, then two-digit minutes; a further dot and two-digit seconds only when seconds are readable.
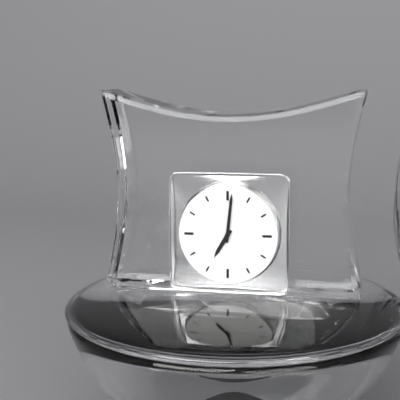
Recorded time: 7.01
